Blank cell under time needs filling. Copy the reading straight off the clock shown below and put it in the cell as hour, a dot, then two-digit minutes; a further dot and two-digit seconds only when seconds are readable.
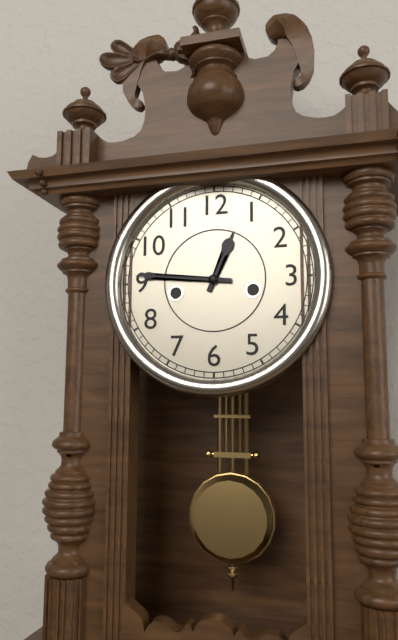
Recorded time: 12.46
